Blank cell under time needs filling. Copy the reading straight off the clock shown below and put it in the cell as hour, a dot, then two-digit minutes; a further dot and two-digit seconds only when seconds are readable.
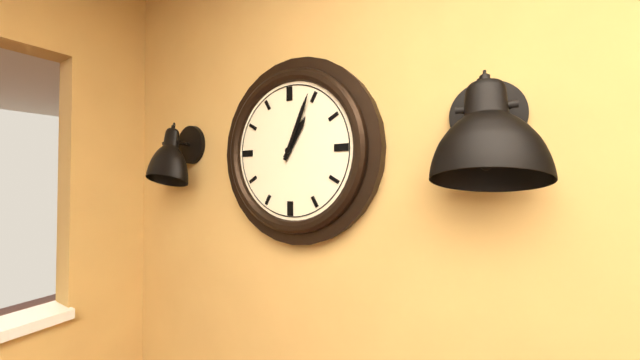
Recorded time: 1.04
